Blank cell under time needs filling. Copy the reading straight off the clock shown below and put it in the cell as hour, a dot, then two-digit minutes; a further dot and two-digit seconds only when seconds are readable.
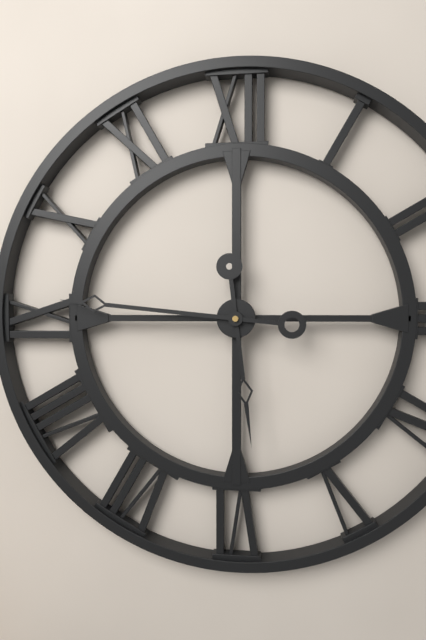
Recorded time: 5.46
